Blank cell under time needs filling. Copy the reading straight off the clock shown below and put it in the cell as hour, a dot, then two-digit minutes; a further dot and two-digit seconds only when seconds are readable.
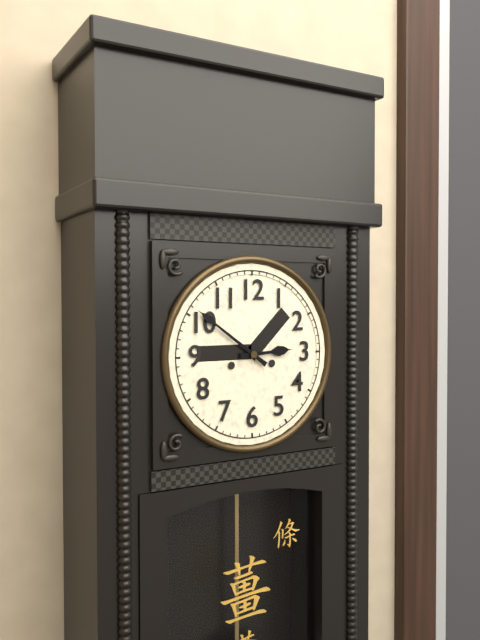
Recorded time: 2.51
